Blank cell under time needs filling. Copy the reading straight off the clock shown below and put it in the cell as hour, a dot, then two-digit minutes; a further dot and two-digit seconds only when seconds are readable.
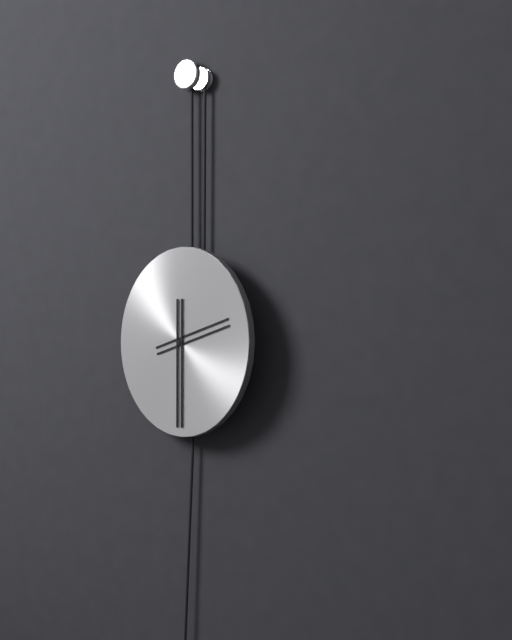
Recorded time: 2.30
